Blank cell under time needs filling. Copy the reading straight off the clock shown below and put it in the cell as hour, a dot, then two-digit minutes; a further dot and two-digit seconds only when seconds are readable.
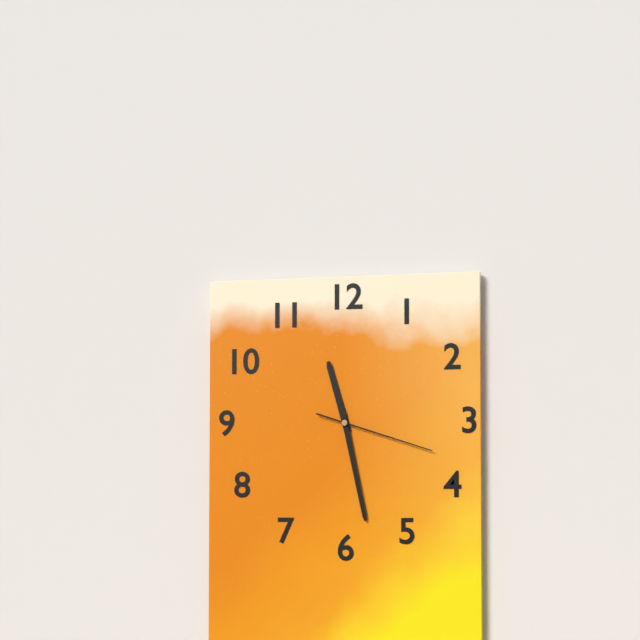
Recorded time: 11.28.18
